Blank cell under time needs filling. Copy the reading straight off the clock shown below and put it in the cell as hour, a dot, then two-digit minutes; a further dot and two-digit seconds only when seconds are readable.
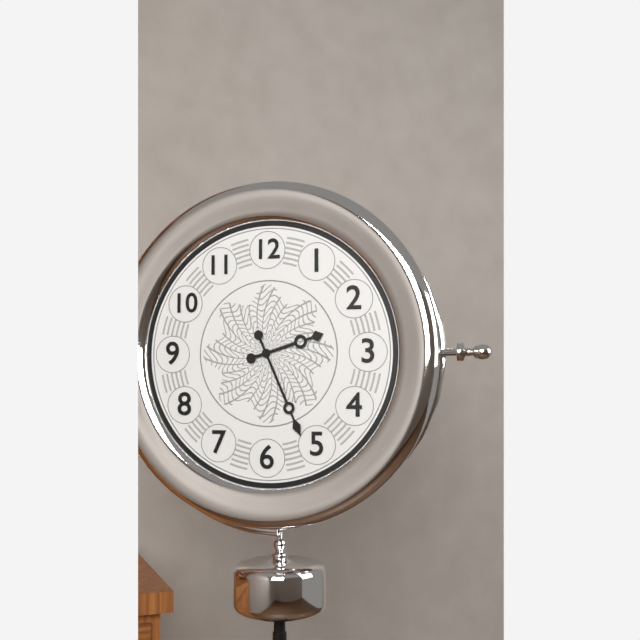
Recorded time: 2.26
